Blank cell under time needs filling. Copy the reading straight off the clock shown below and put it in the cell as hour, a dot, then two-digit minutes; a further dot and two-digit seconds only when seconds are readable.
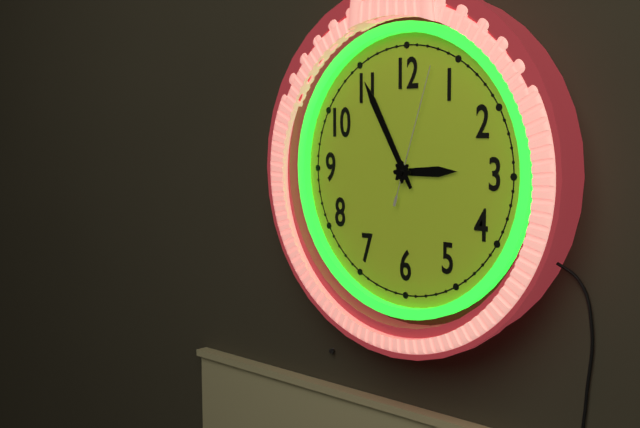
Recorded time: 2.55.03
